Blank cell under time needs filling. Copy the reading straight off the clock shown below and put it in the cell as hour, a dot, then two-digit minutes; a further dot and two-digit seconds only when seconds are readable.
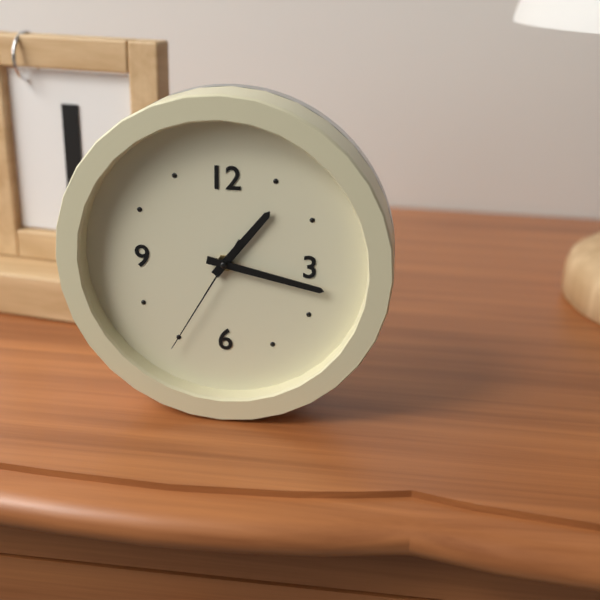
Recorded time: 1.17.35
